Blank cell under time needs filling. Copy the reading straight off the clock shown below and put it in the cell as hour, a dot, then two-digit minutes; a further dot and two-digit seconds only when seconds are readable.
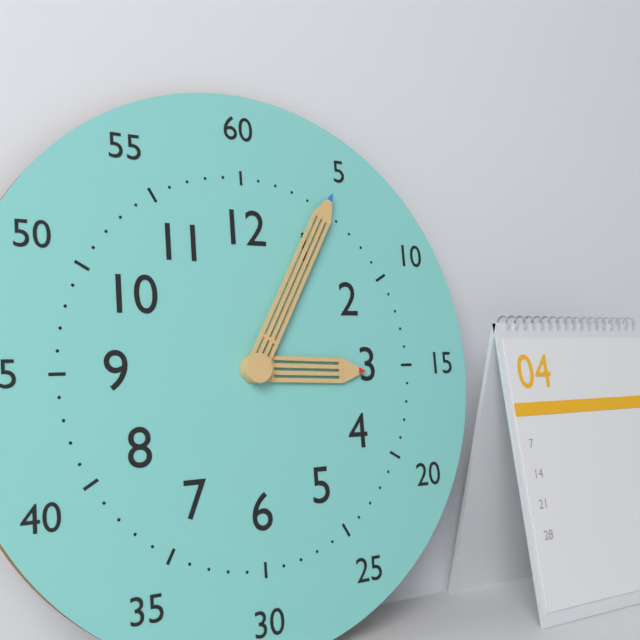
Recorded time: 3.05
